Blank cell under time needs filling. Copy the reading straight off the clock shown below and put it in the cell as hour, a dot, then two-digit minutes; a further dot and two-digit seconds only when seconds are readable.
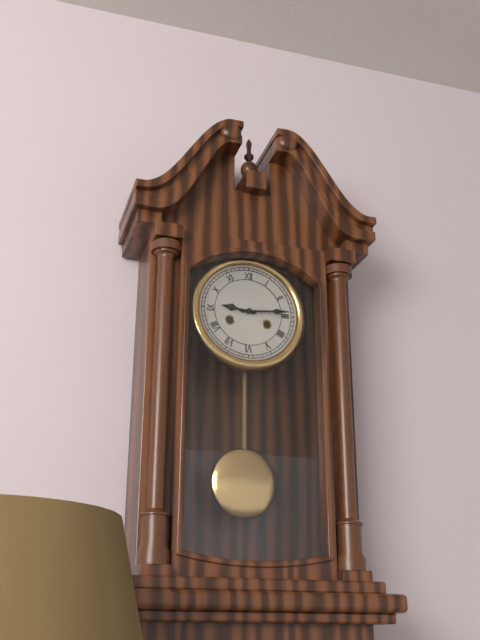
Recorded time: 9.14
